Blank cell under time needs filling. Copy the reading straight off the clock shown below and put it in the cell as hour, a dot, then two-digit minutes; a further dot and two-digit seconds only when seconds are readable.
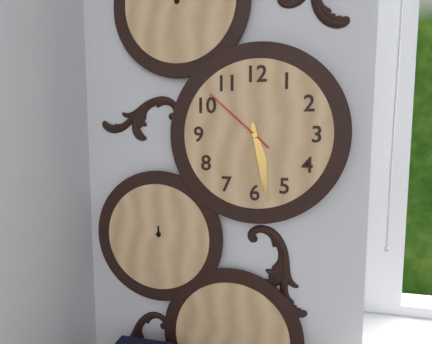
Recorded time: 5.28.52
